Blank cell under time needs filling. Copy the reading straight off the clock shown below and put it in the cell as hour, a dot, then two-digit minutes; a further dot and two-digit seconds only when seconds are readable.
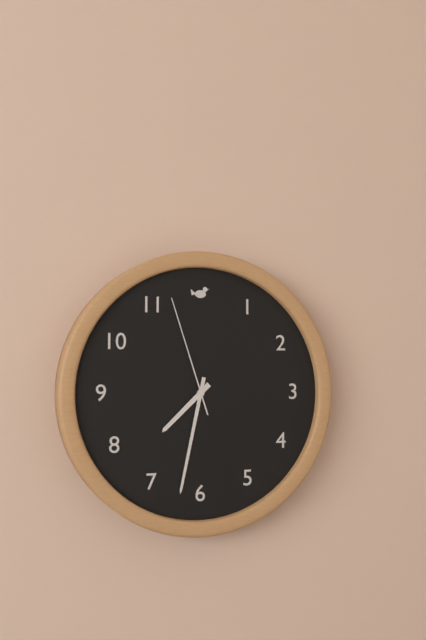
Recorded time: 7.32.57
